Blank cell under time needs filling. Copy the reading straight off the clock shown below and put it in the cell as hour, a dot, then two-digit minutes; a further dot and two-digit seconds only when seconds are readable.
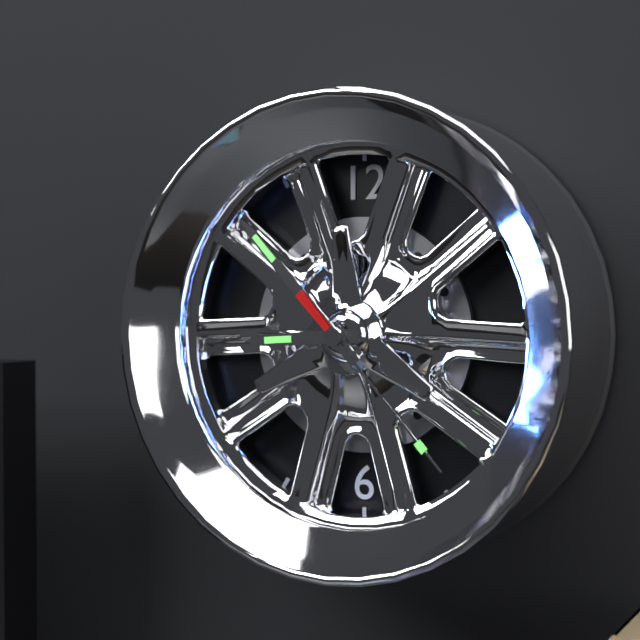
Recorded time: 8.53.23
